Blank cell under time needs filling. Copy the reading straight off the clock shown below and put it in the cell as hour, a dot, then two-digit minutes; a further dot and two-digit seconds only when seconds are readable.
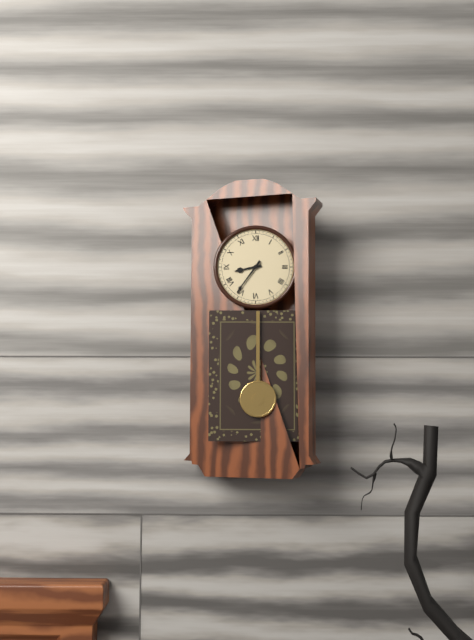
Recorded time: 8.36
